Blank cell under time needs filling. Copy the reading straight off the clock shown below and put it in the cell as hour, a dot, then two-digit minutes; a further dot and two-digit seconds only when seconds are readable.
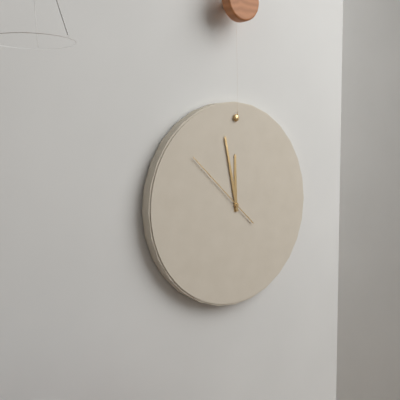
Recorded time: 11.58.52
